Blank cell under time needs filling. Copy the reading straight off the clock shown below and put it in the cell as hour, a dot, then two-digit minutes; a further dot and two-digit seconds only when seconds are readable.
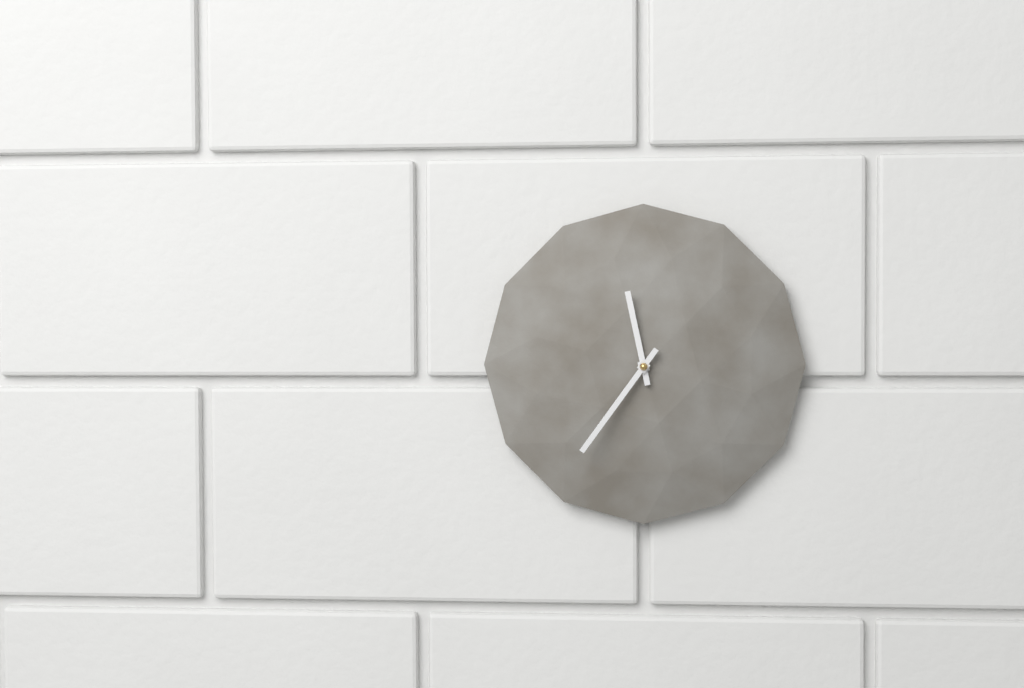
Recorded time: 11.36
